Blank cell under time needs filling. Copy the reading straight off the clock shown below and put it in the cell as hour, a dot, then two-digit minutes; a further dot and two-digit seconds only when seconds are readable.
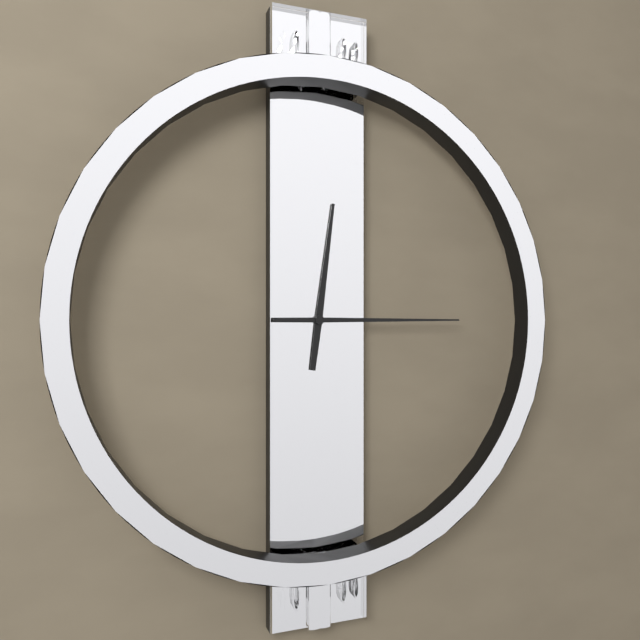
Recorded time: 12.15
